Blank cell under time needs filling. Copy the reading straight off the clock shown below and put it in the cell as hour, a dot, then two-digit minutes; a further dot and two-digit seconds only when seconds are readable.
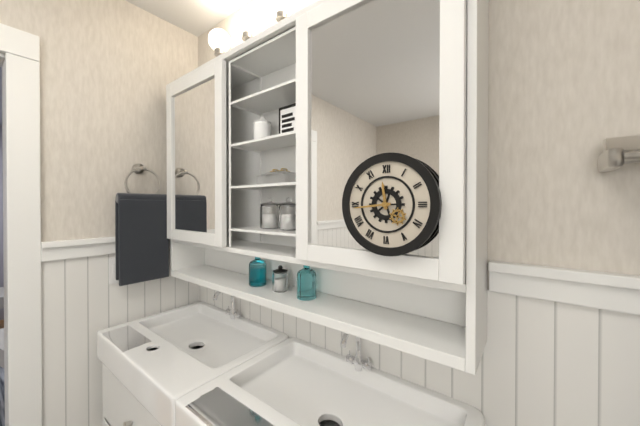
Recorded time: 11.44
